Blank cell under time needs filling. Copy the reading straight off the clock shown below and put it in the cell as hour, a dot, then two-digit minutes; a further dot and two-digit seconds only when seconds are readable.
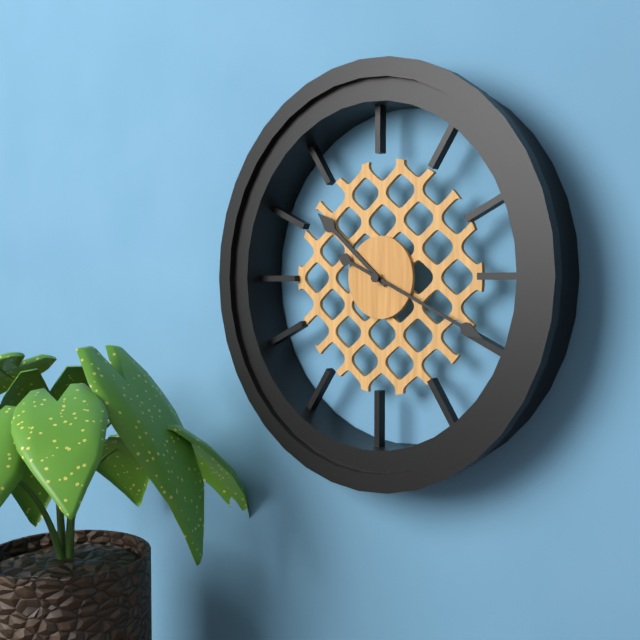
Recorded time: 10.19
